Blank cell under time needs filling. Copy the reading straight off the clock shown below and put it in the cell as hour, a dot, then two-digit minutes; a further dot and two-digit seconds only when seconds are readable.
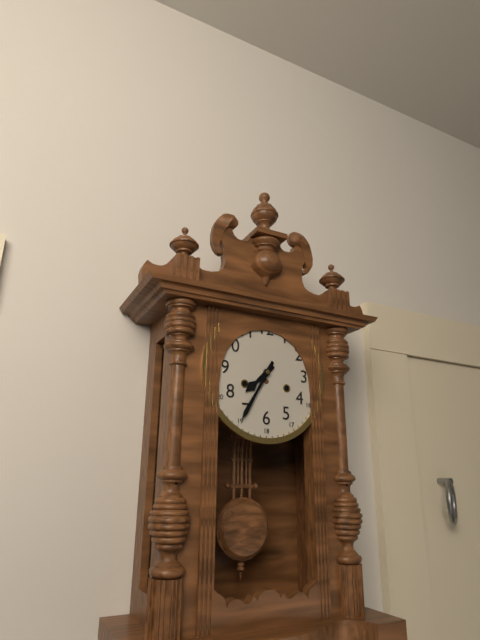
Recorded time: 7.35
